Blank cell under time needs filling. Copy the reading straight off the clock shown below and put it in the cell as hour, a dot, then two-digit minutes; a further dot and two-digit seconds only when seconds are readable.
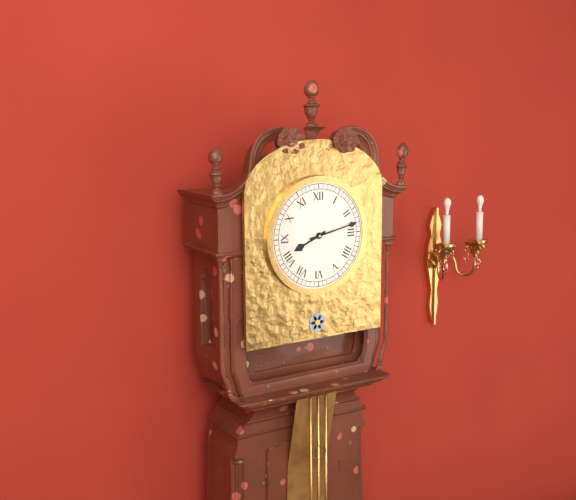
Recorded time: 8.13
